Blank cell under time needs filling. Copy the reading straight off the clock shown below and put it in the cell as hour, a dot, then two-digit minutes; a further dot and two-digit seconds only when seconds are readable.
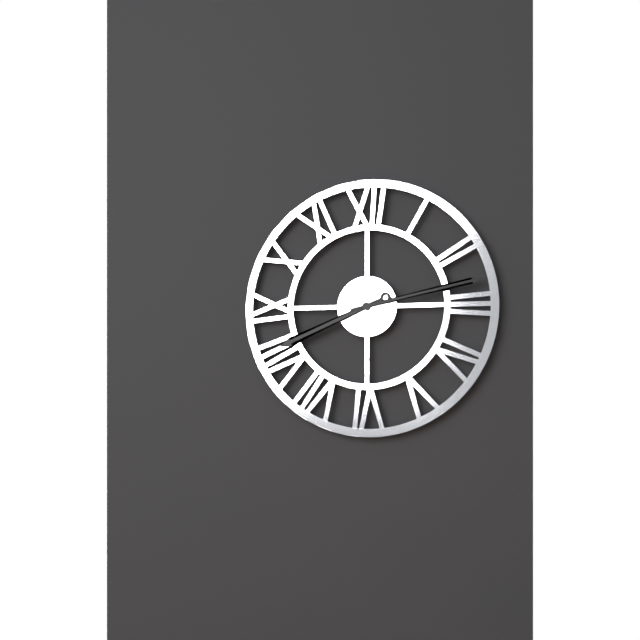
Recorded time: 8.13
